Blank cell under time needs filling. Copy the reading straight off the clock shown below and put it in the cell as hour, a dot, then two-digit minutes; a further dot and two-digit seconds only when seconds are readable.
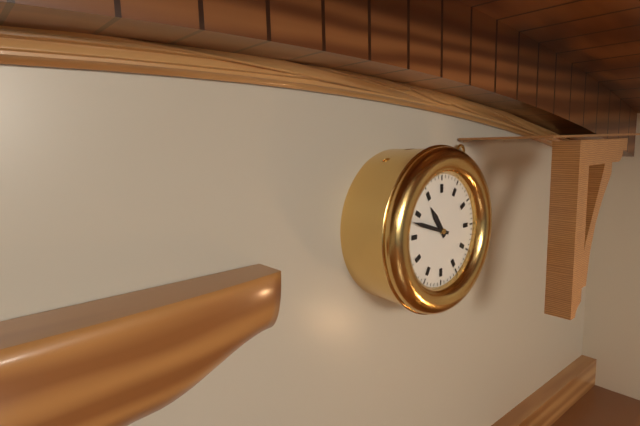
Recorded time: 10.48
